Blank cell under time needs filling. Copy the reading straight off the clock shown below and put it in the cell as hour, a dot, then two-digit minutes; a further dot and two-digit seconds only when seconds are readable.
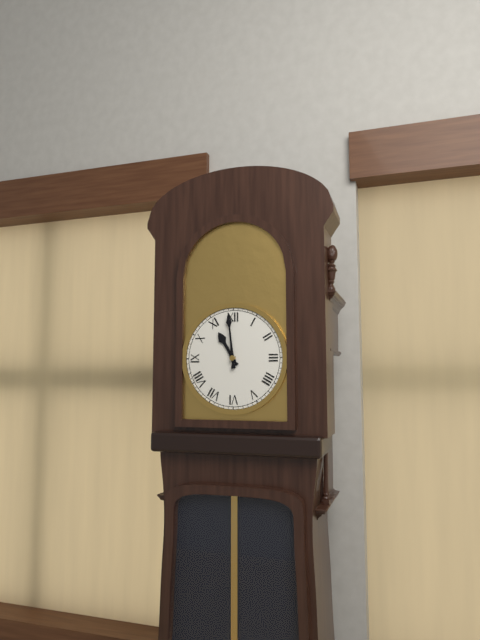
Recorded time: 10.59
